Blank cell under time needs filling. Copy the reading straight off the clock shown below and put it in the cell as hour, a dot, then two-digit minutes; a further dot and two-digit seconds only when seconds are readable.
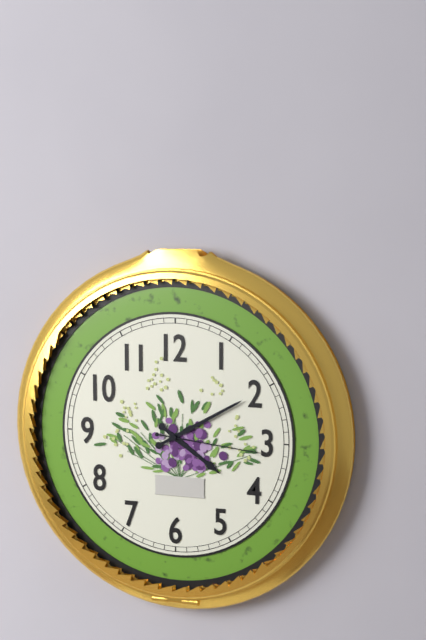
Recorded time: 4.10.16
